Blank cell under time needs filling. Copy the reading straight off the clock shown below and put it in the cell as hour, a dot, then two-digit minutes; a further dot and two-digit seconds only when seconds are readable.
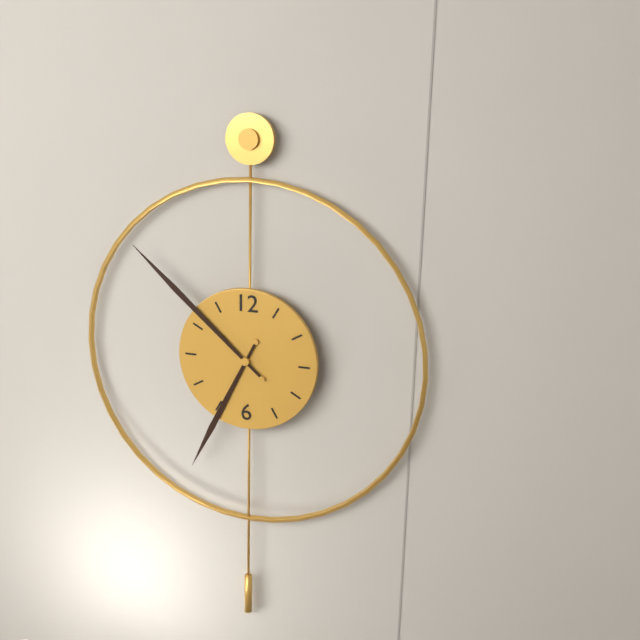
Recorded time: 6.52
